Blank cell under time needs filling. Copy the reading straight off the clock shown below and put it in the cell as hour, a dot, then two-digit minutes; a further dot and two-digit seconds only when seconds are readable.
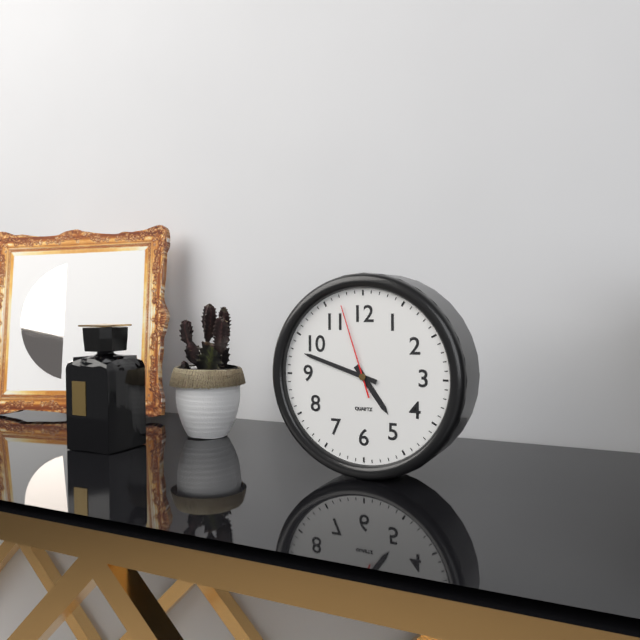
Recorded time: 4.48.57
